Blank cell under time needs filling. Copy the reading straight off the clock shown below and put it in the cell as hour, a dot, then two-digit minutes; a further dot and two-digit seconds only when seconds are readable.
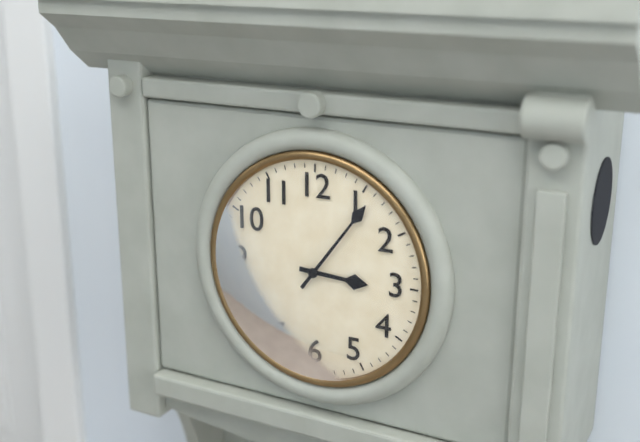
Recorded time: 3.06
